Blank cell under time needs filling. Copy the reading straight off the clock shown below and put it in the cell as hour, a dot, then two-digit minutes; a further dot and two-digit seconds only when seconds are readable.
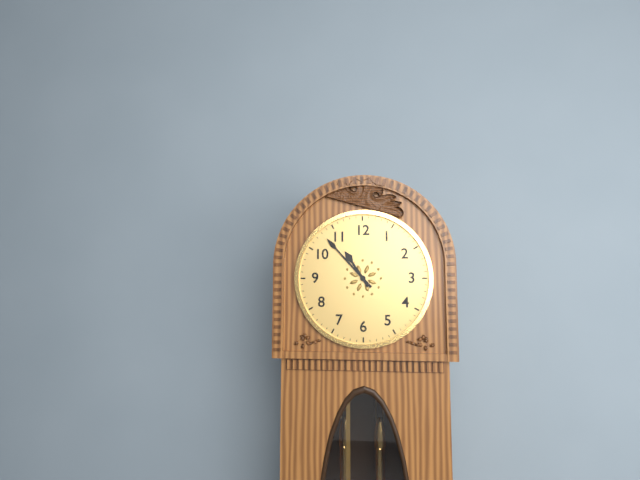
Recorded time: 10.53
